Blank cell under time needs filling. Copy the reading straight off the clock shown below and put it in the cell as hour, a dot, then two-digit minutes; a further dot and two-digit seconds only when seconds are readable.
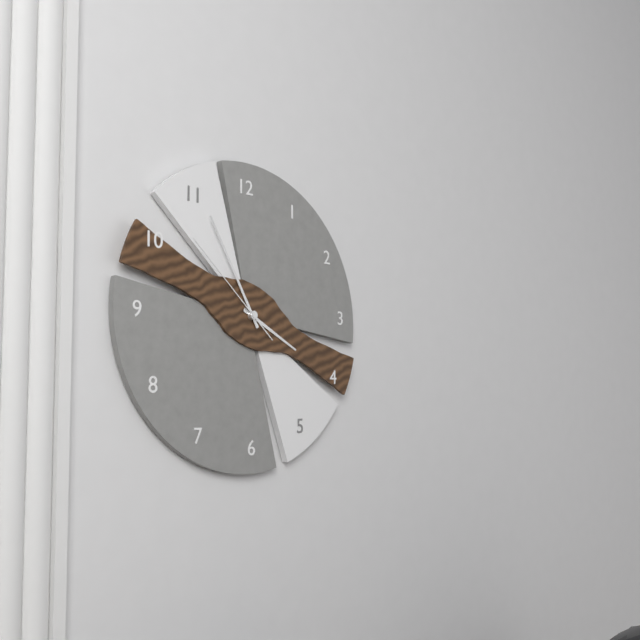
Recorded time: 3.55.52
